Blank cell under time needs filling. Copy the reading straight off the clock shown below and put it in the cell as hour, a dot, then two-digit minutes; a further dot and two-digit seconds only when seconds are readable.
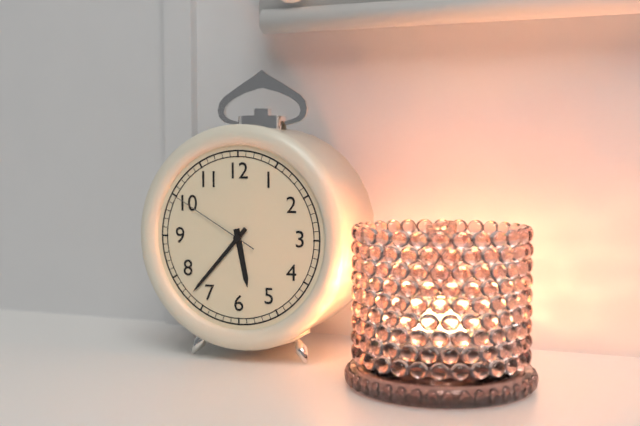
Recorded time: 5.37.50
